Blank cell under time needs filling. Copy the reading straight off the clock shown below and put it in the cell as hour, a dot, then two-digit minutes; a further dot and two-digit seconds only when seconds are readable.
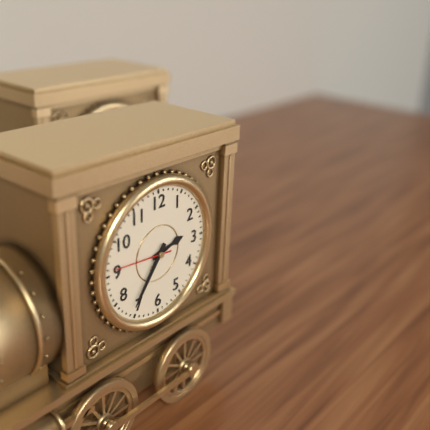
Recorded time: 2.36.46
